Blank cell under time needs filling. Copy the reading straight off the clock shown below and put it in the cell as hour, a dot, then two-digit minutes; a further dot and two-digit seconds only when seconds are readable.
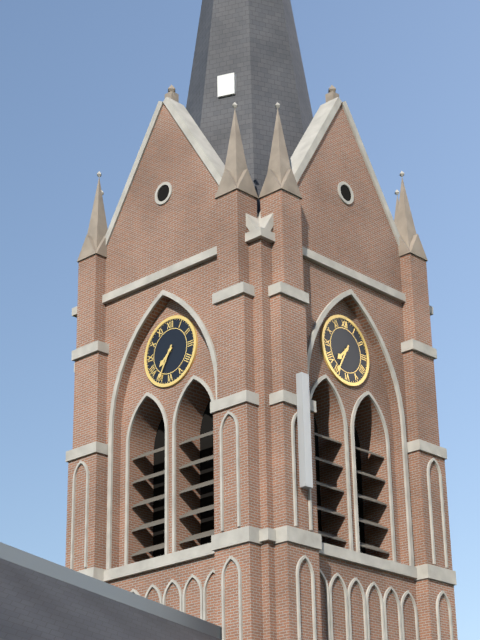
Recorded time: 7.35
